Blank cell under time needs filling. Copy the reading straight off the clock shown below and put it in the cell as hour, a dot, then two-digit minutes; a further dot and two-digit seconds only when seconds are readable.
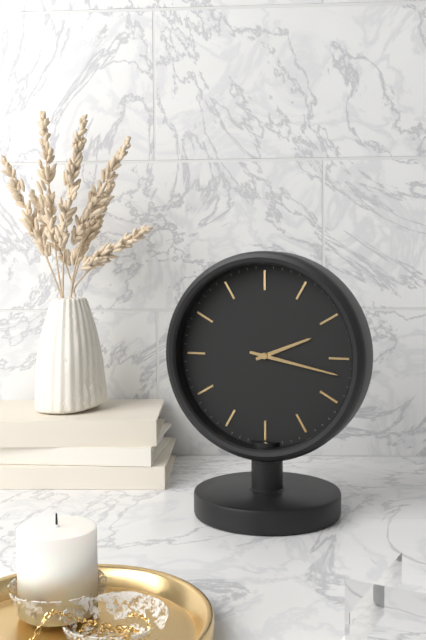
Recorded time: 2.17
